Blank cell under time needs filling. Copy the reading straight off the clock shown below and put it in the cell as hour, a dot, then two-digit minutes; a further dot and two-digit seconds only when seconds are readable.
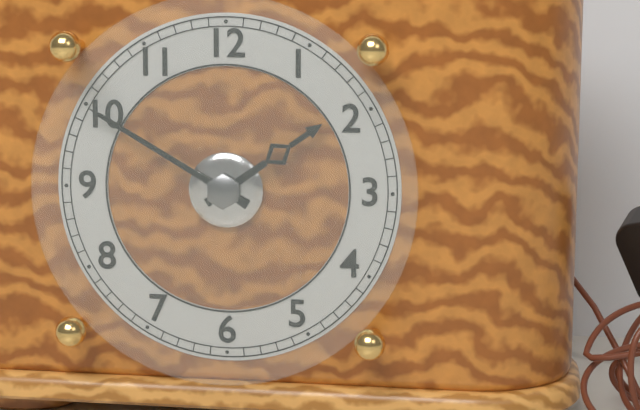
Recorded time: 1.50
